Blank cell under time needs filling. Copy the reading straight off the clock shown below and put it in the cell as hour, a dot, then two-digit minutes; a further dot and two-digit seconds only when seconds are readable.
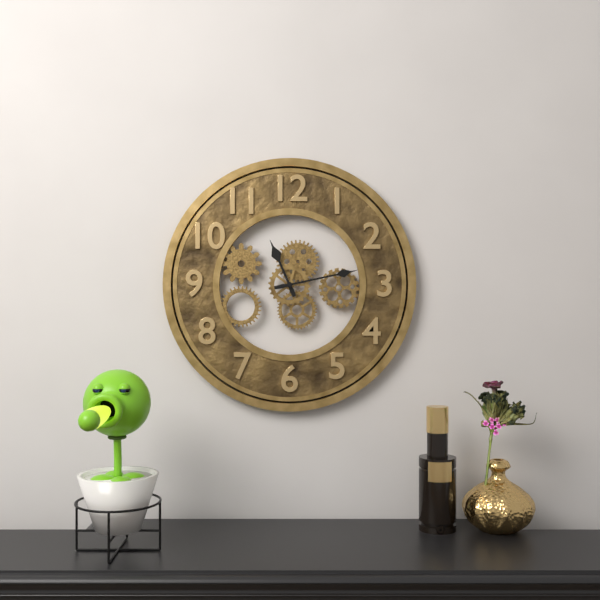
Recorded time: 11.13
